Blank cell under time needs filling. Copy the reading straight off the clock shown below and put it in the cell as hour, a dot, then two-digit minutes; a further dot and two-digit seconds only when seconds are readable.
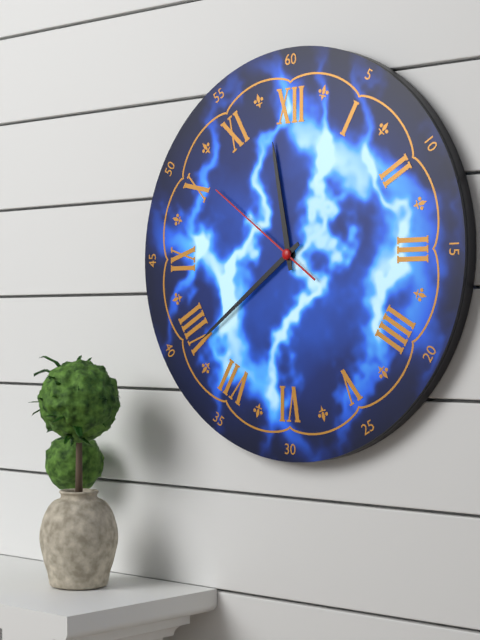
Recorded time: 11.39.51
